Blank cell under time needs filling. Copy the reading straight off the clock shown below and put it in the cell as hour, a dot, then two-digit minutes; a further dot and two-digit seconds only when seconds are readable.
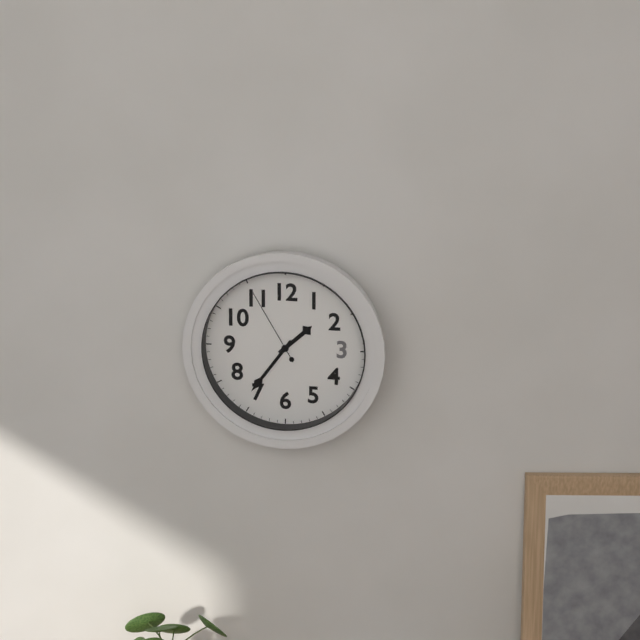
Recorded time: 1.36.55
